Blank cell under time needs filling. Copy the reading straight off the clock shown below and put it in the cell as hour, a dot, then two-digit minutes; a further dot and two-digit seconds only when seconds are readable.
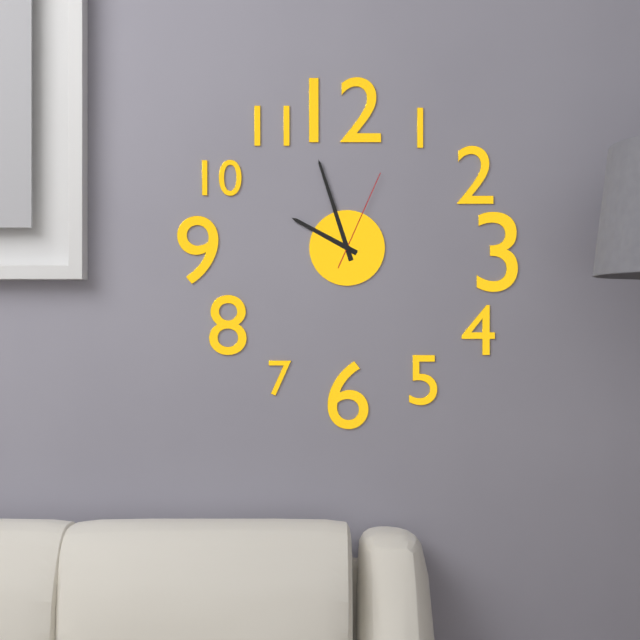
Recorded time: 9.57.04
